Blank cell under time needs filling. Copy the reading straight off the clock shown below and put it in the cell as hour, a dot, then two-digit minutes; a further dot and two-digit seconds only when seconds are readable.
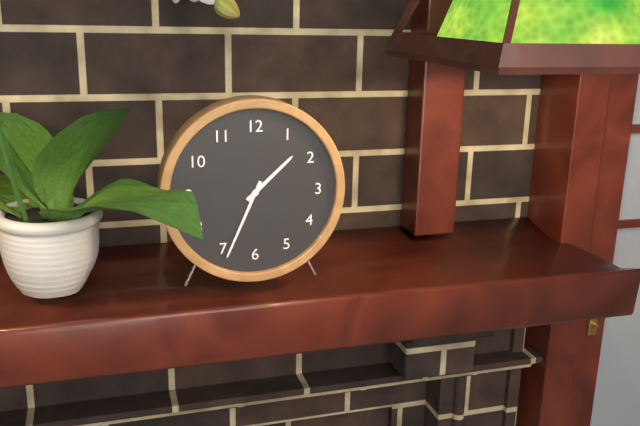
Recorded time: 1.34
